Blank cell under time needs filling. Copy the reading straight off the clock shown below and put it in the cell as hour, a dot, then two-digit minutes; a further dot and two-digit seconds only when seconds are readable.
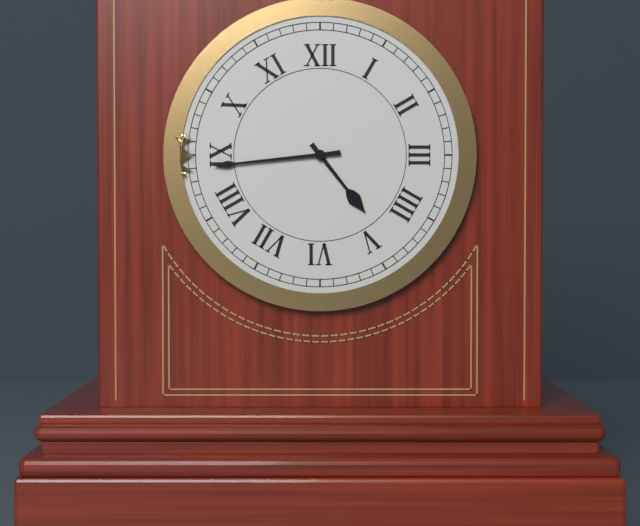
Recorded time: 4.44
